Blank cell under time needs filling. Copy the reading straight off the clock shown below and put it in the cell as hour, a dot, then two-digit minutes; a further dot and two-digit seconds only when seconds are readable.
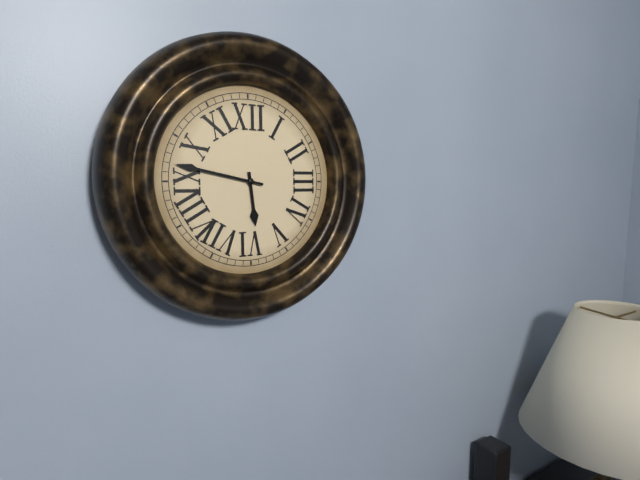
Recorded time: 5.47
